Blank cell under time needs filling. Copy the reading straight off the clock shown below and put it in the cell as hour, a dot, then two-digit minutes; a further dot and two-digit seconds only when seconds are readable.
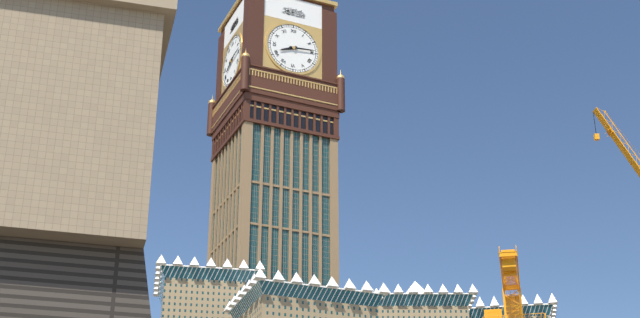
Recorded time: 8.14
